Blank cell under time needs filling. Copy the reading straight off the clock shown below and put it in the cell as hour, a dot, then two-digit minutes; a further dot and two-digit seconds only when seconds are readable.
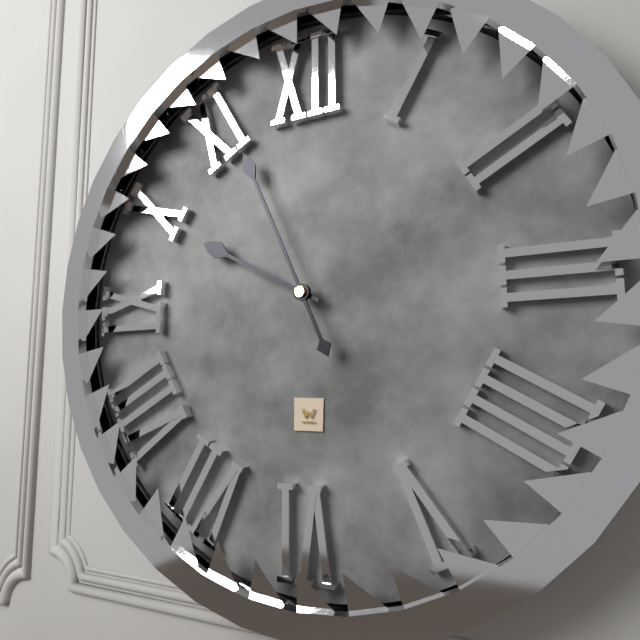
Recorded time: 9.56
